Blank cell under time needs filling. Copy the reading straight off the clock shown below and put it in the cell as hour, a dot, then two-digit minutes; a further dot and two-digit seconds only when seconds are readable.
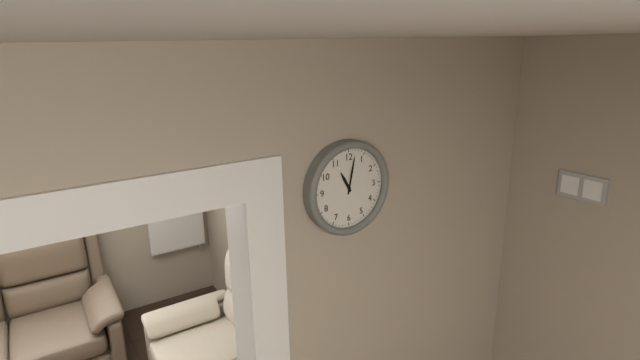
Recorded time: 11.02
